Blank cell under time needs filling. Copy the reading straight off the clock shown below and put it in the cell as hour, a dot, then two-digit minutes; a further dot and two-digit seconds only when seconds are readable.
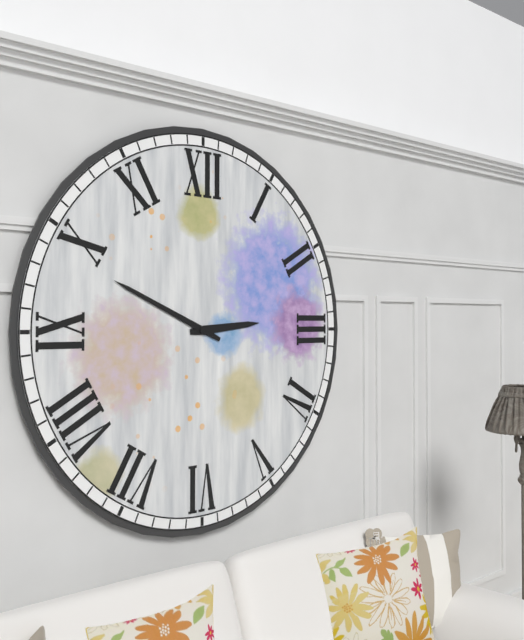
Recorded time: 2.49
